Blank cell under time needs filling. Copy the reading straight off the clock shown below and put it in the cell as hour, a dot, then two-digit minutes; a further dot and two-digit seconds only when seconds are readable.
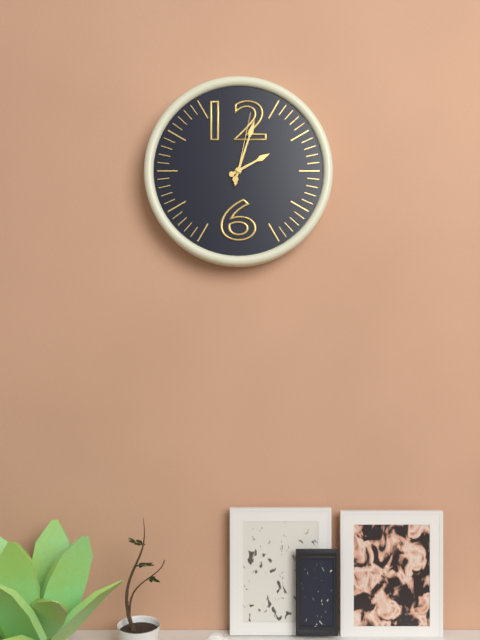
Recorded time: 2.03.02
